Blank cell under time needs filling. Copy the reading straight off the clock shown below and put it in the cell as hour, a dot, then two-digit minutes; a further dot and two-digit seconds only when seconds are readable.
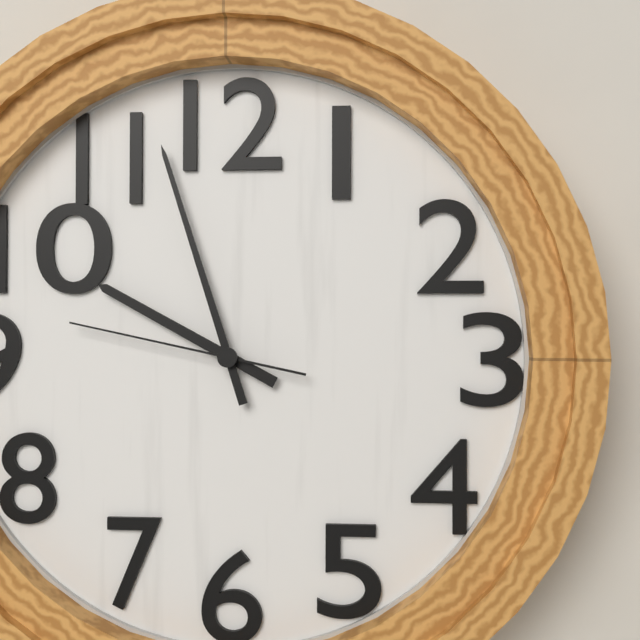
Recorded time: 9.57.47
